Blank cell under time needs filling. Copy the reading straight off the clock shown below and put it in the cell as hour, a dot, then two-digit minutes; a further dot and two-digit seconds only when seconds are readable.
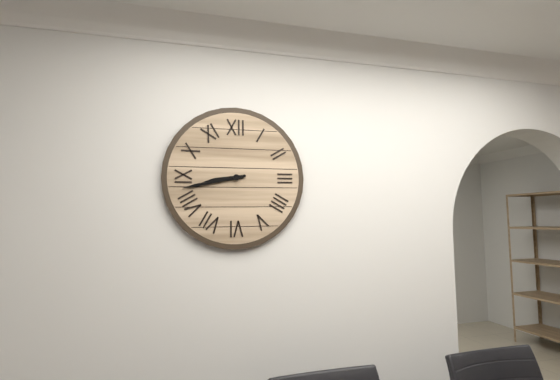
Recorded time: 8.43
